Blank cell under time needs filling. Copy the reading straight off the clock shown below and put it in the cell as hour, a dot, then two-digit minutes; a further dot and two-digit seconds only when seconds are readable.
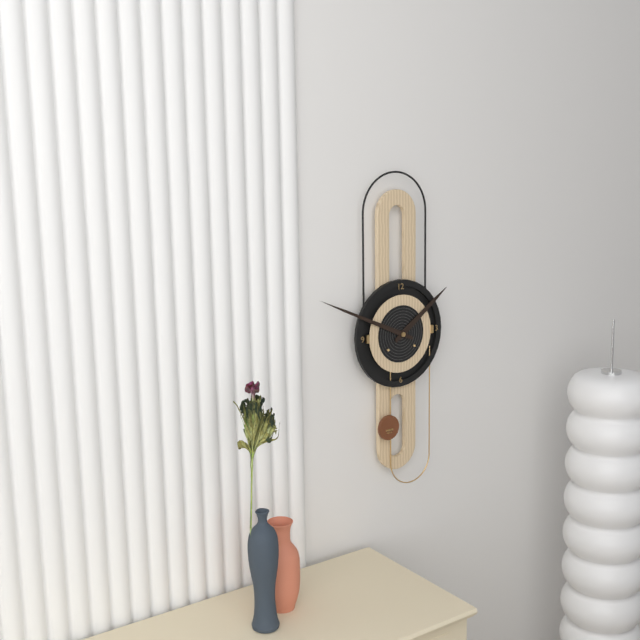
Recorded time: 1.49
